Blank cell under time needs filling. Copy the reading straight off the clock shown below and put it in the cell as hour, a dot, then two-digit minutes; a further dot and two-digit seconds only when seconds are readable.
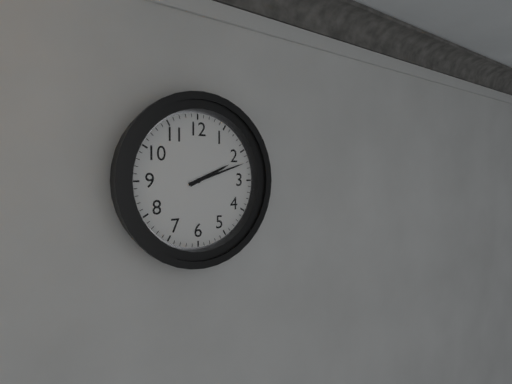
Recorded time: 2.12
